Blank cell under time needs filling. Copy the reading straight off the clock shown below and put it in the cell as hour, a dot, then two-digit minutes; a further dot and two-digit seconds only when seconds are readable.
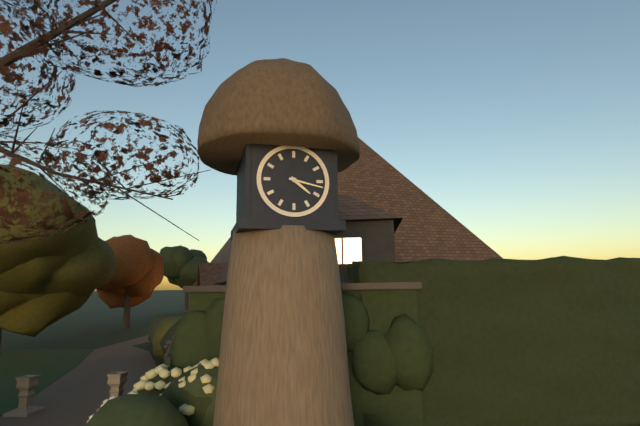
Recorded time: 4.17
